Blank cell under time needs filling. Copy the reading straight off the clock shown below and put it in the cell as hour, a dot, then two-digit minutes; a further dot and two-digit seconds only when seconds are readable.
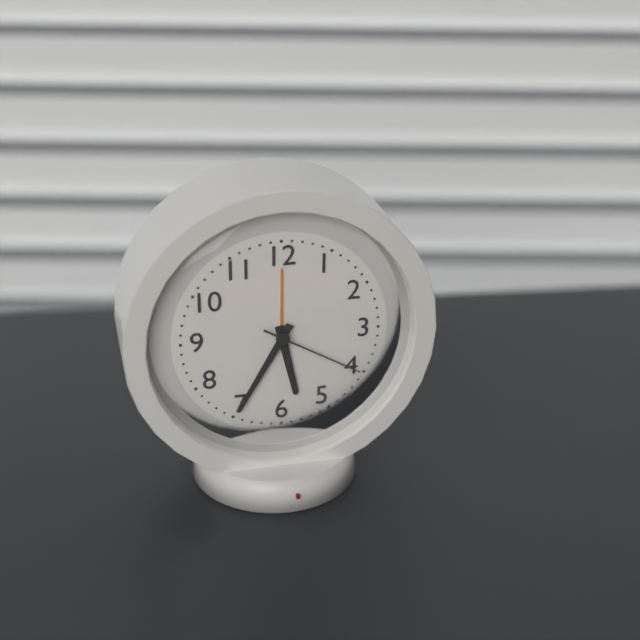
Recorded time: 5.35.20
